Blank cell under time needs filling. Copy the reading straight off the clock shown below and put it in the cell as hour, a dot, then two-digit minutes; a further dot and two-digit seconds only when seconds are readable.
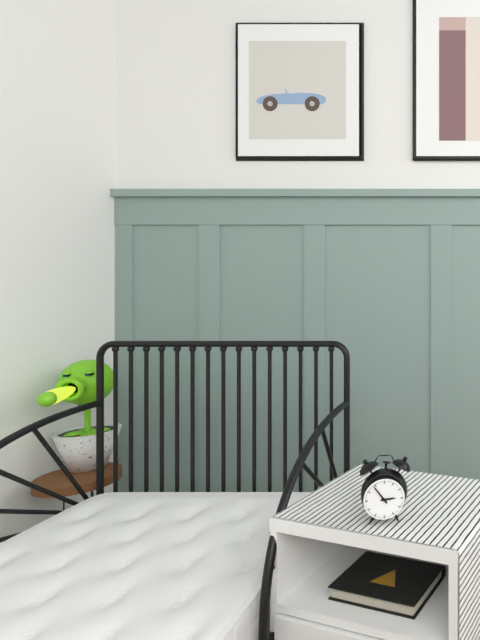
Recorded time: 2.54
